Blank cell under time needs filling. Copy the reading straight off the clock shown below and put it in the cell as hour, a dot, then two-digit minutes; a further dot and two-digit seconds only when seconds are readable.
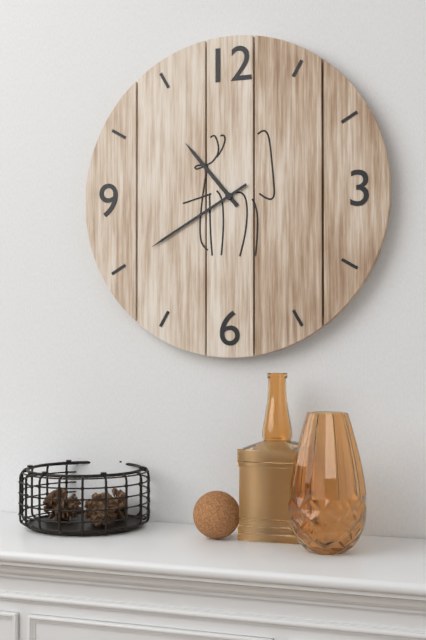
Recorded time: 10.40
